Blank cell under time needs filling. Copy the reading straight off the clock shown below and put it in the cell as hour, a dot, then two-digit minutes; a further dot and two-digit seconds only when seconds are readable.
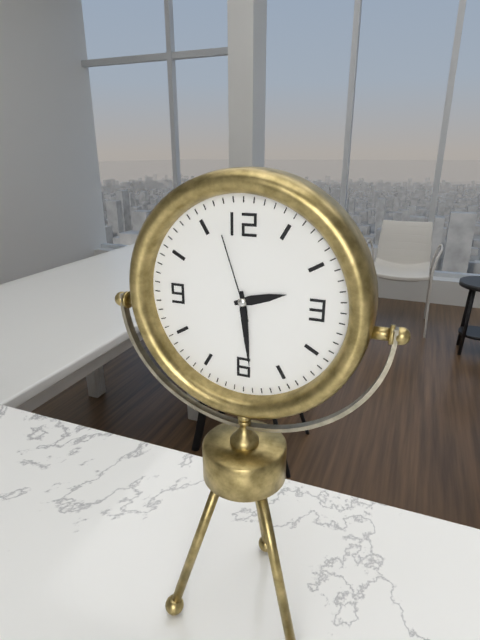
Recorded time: 2.29.57
